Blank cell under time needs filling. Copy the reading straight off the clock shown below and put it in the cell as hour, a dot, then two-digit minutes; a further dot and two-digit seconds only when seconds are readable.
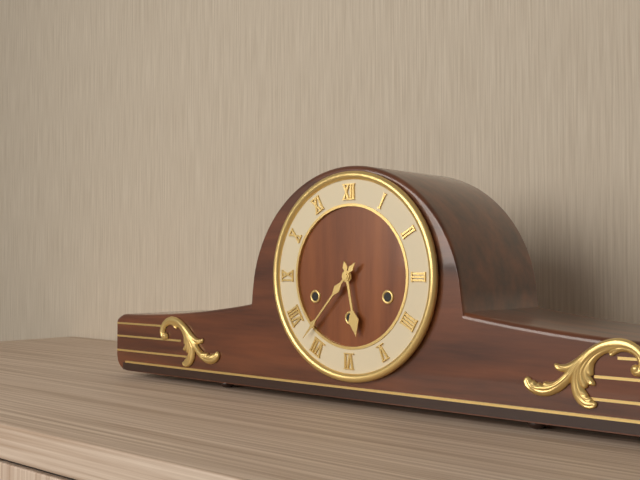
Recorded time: 5.37
